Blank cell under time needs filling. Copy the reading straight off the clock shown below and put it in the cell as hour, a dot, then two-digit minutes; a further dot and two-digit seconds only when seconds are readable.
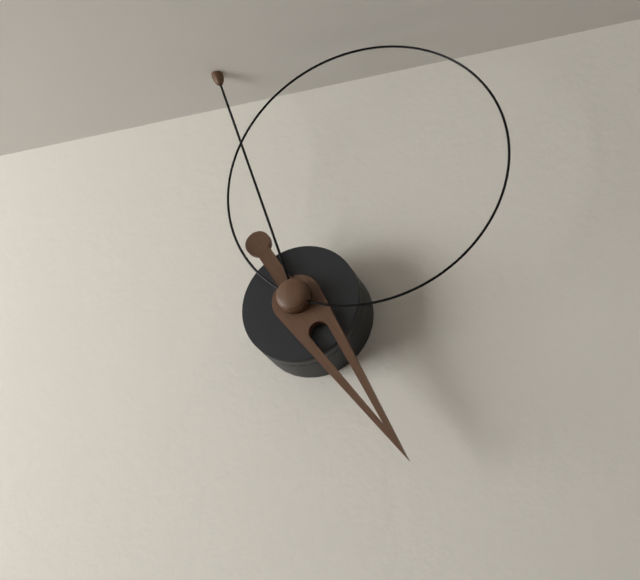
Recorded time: 4.57.05
